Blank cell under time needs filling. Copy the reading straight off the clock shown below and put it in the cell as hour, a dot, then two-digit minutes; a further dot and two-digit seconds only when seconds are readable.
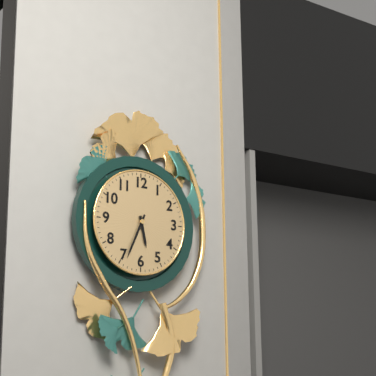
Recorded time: 5.34
